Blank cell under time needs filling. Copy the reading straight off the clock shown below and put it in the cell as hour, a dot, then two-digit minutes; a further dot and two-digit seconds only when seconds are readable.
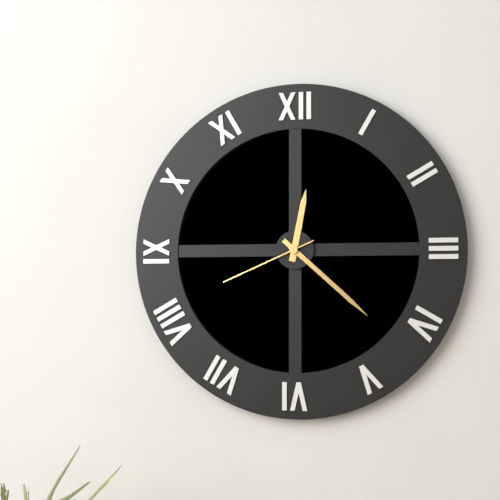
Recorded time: 12.22.41
